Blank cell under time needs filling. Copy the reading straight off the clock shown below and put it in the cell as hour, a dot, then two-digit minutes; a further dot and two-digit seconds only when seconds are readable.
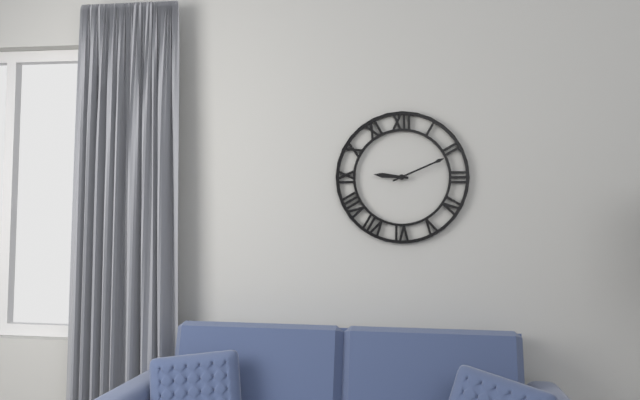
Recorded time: 9.11
